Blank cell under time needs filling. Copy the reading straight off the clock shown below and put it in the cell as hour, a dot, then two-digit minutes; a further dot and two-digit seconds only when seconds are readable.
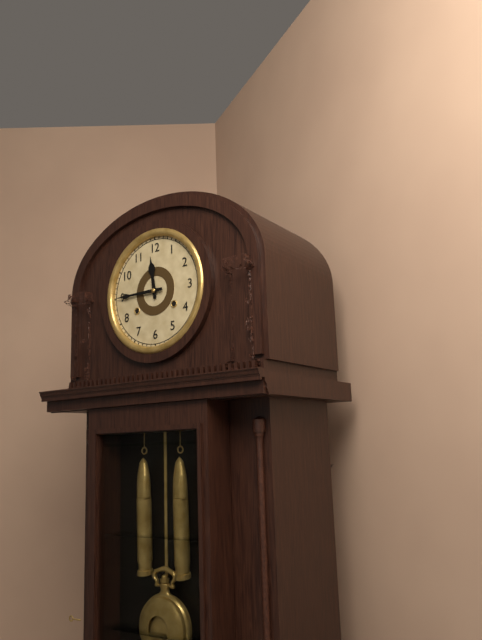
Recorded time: 11.45
